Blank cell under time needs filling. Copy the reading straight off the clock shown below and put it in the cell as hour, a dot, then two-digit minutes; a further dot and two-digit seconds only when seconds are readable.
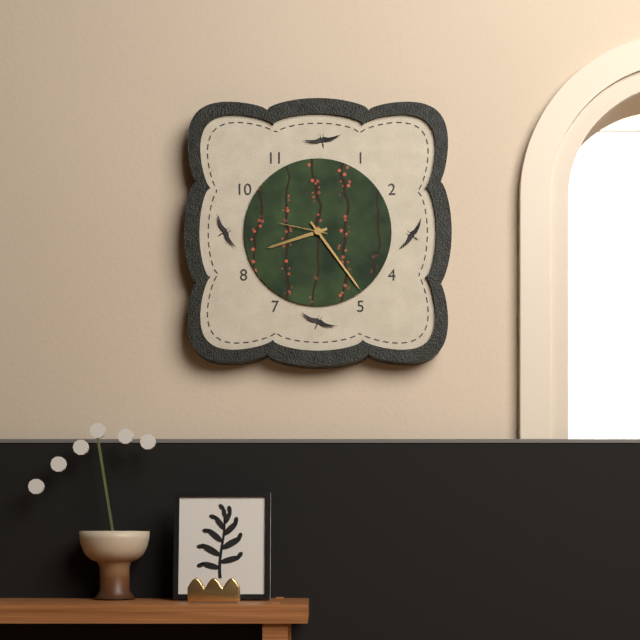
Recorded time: 8.24.47
